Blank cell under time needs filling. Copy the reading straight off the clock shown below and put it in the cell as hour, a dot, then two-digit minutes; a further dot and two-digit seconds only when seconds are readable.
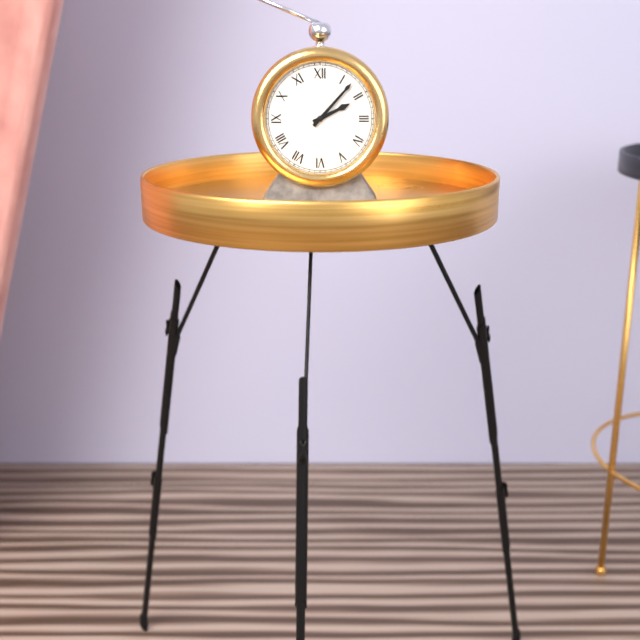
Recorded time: 2.07
